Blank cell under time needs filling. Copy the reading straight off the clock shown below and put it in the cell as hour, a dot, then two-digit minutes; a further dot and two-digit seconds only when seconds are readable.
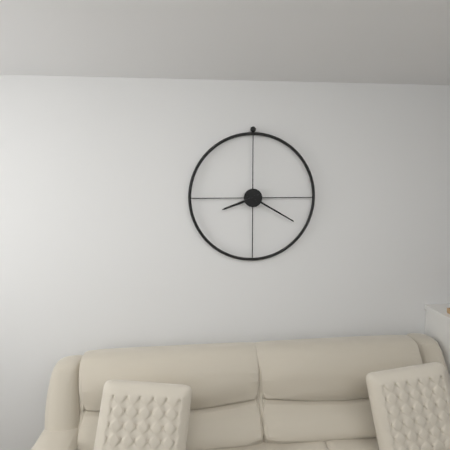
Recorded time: 8.20
